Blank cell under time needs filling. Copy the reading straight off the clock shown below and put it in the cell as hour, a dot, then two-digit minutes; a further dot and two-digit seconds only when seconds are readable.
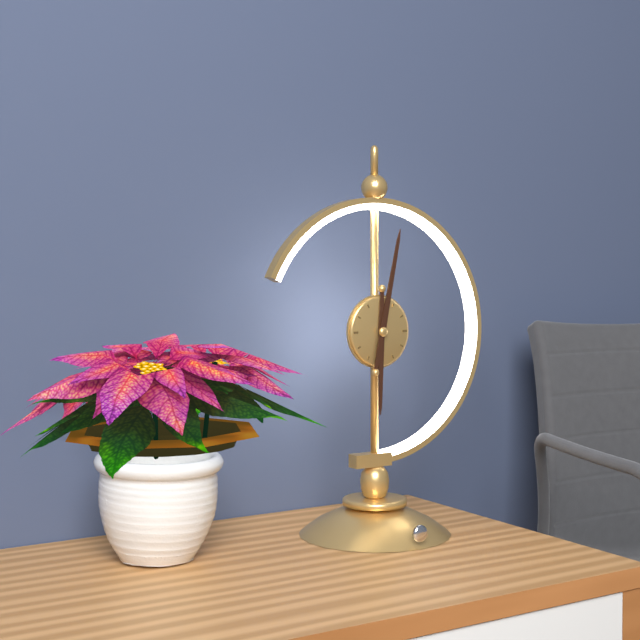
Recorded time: 6.02
